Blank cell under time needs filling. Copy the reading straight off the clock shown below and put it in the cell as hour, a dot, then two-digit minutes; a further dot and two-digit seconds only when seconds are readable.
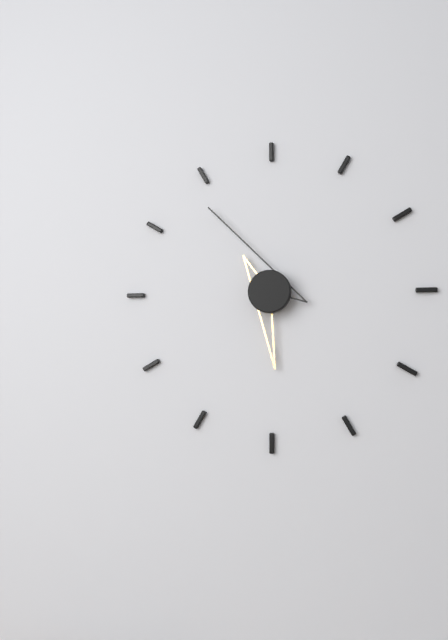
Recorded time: 5.54
